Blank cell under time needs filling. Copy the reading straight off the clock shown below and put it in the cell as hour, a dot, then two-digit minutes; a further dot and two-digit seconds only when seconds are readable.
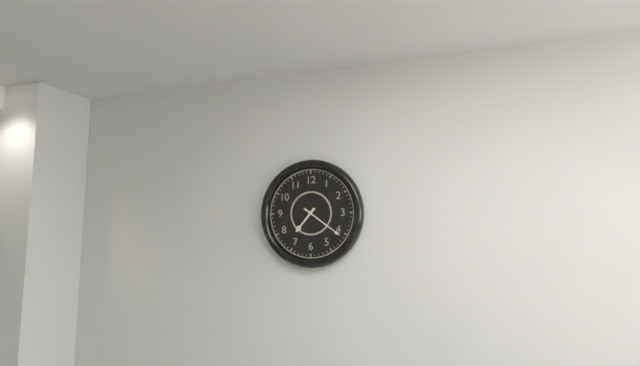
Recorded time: 7.21
